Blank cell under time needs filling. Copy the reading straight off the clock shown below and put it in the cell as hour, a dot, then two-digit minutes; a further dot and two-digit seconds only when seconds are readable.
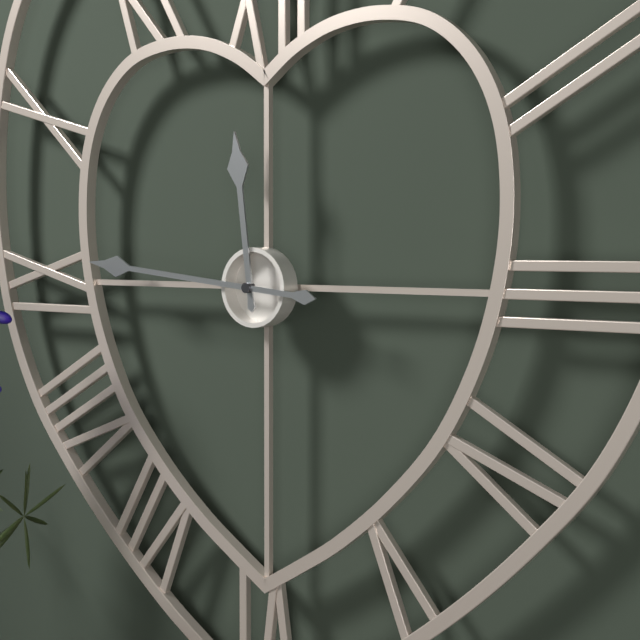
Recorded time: 11.46
